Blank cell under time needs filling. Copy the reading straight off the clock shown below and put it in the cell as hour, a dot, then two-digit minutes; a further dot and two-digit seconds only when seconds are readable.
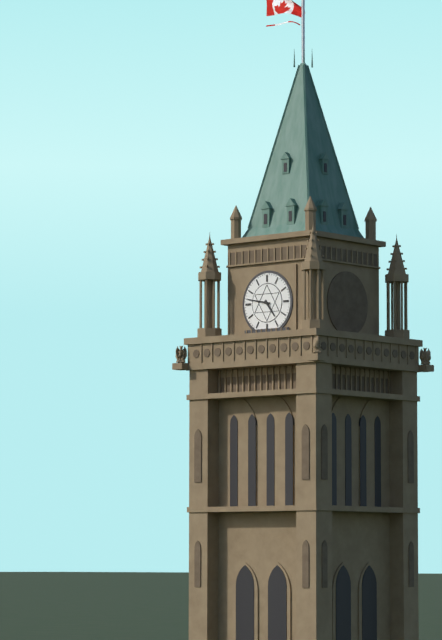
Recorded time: 4.47
